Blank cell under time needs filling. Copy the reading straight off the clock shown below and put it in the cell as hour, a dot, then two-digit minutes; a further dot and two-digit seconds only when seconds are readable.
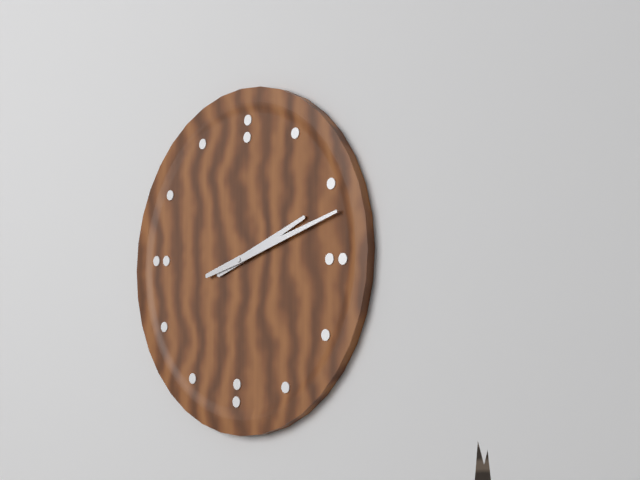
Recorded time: 2.12
